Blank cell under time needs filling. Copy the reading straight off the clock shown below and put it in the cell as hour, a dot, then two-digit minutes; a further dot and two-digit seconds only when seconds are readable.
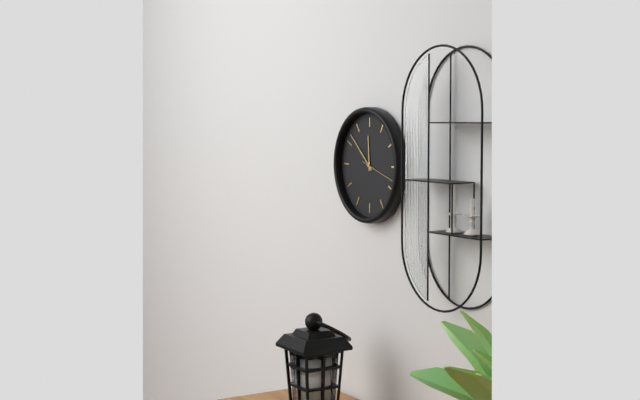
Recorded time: 11.52
